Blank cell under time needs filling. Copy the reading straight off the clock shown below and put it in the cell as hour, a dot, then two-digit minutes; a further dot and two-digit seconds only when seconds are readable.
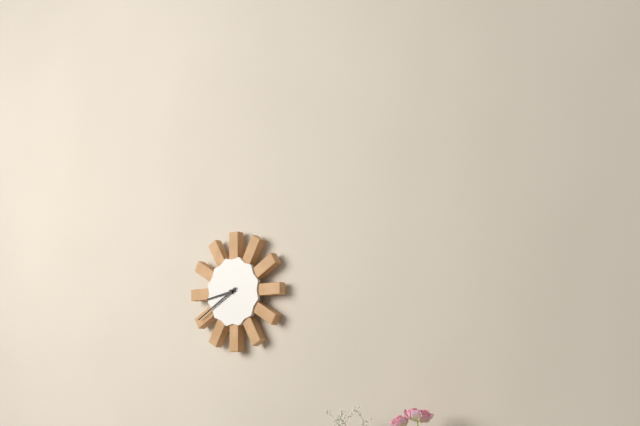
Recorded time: 8.40
